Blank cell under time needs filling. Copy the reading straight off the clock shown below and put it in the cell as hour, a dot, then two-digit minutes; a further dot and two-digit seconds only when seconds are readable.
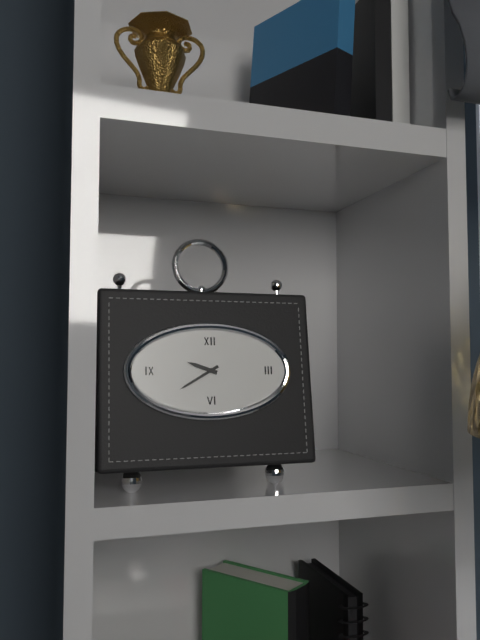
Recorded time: 9.40
